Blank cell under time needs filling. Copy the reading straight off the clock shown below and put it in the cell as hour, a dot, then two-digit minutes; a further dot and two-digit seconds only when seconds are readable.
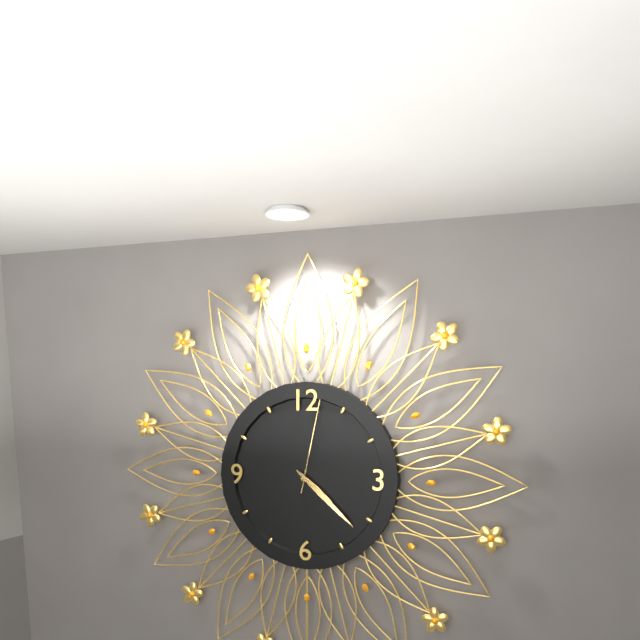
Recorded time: 4.22.02
